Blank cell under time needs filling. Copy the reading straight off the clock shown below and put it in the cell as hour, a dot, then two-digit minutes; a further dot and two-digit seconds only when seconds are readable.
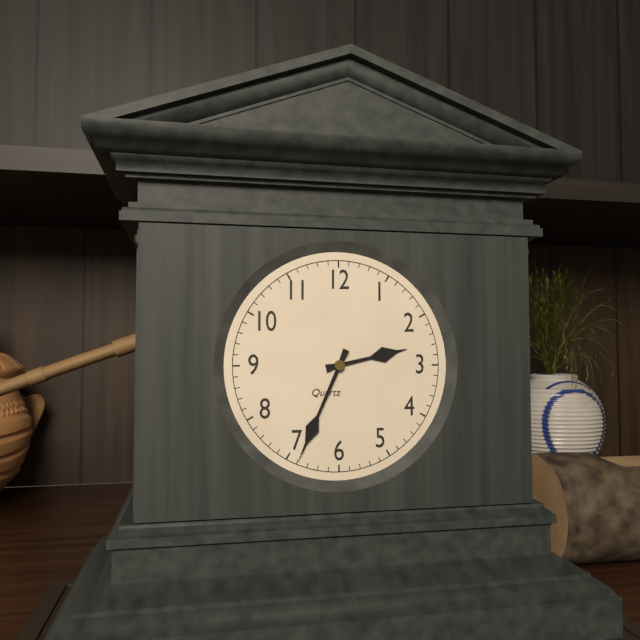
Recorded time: 2.34
